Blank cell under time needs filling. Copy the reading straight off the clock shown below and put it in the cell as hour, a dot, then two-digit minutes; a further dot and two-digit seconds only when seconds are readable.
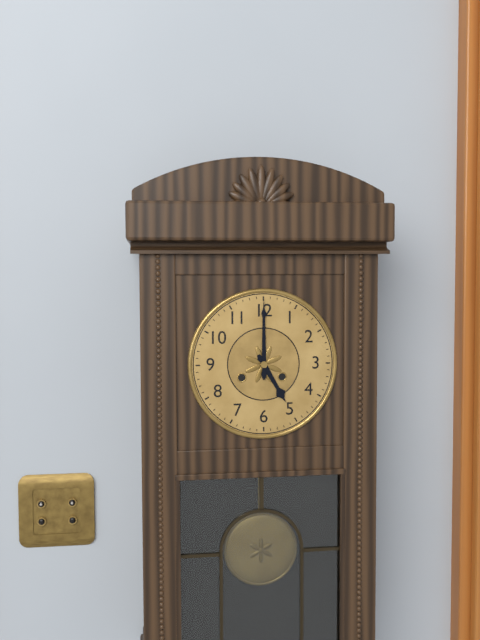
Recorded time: 5.00
